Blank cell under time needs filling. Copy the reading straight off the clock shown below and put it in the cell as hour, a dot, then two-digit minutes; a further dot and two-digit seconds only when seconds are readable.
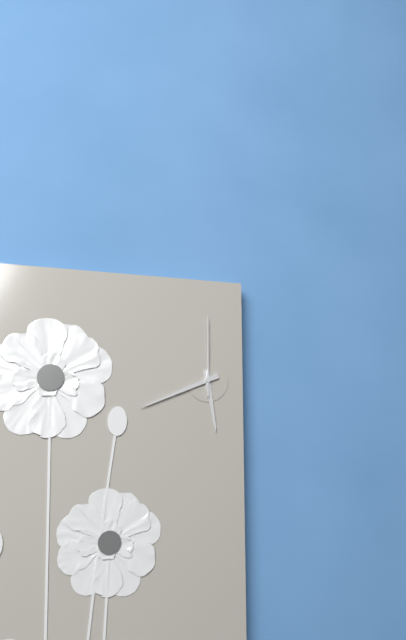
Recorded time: 5.41.00
